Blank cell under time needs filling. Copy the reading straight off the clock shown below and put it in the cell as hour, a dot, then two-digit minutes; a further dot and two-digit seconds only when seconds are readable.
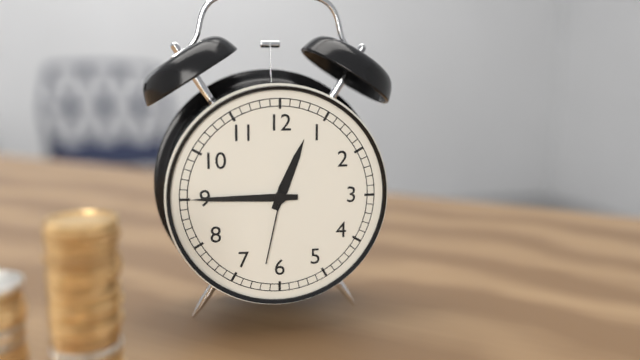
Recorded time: 12.45.32
